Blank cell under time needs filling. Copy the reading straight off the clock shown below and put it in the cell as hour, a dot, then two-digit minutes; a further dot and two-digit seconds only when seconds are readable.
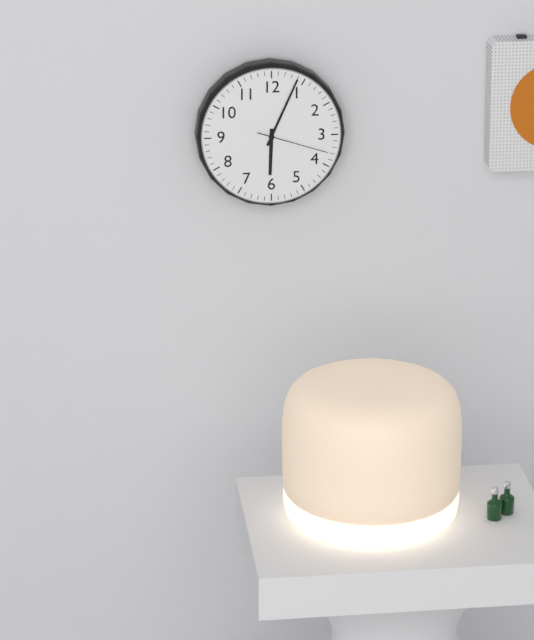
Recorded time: 6.04.18
